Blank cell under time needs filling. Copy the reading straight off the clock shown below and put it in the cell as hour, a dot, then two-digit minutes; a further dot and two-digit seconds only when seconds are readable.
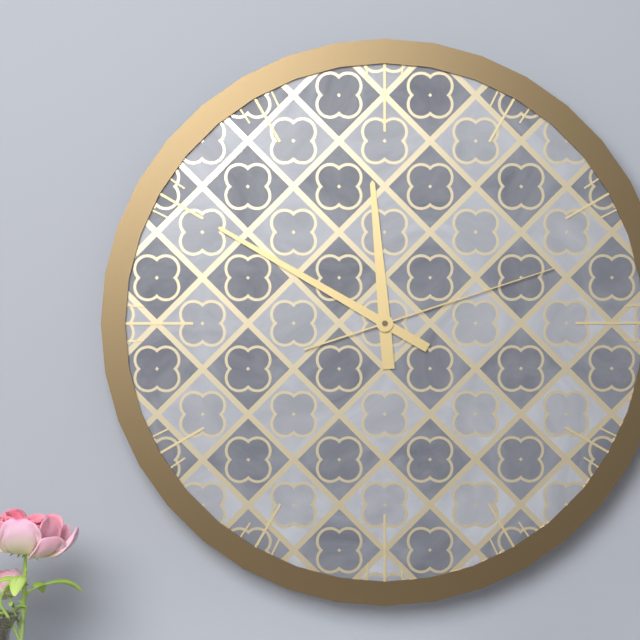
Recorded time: 11.50.12
